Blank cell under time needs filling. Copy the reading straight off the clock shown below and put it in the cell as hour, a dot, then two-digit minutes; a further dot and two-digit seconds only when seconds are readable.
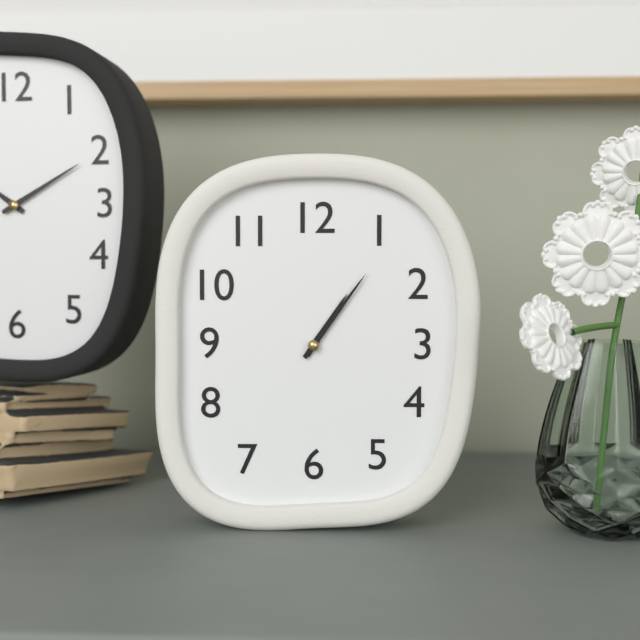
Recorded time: 1.06
